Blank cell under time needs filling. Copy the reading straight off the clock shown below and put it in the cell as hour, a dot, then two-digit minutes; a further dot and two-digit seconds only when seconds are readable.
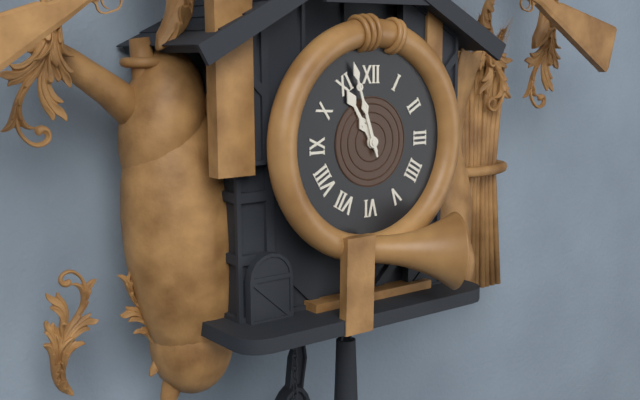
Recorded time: 10.57
